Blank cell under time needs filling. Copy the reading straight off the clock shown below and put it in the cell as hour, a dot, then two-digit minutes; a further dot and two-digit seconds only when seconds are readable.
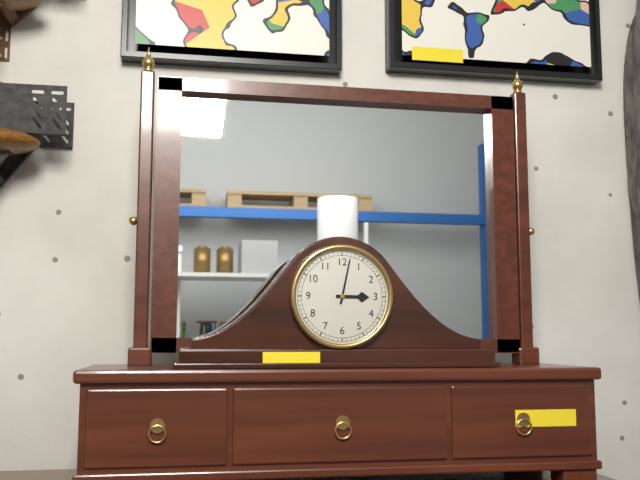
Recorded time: 3.02
